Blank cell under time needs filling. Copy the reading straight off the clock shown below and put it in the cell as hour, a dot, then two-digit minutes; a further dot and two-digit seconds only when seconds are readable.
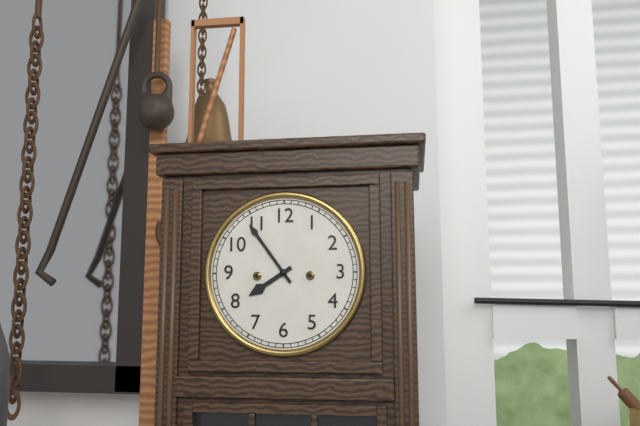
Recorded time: 7.54
